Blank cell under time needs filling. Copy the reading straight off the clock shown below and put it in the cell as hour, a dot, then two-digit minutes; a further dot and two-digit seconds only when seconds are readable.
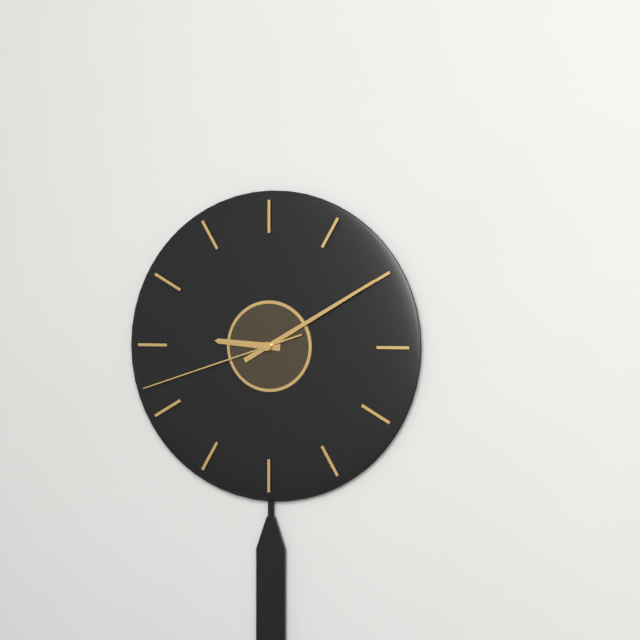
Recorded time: 9.10.42
